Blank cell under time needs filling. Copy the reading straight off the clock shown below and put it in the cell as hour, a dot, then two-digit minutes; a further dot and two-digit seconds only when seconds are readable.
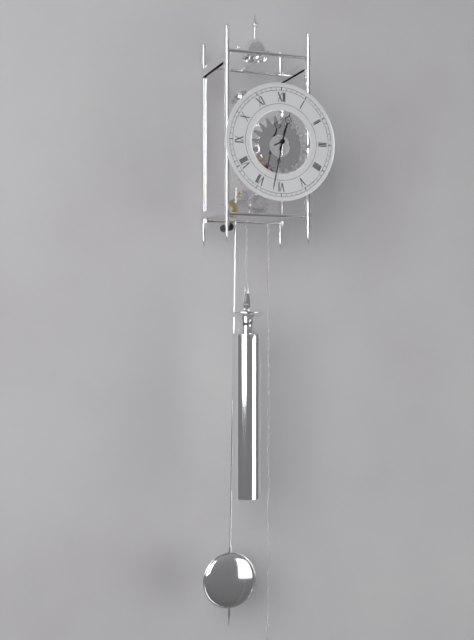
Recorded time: 12.32
